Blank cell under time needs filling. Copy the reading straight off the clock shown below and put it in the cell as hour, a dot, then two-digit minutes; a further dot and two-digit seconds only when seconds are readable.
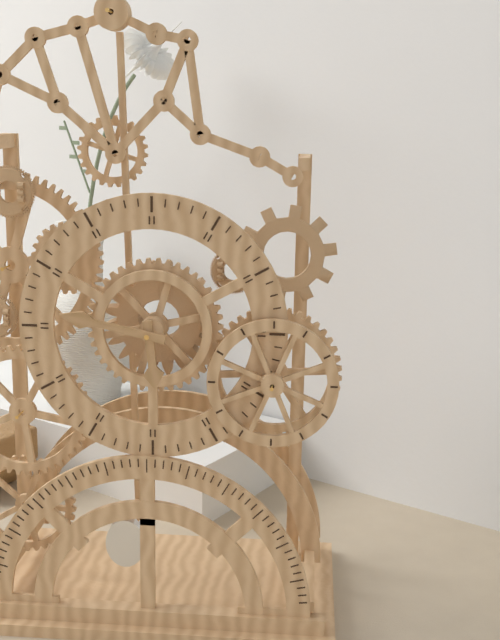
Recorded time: 5.47
